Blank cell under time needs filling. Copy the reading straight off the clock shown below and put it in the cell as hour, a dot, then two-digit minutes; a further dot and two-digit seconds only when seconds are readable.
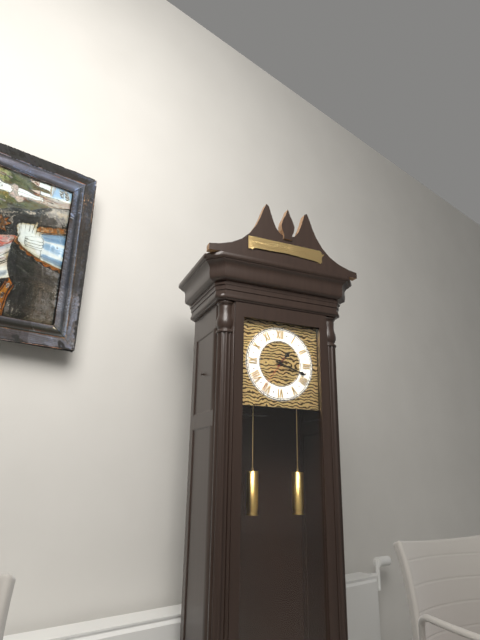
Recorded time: 1.18
